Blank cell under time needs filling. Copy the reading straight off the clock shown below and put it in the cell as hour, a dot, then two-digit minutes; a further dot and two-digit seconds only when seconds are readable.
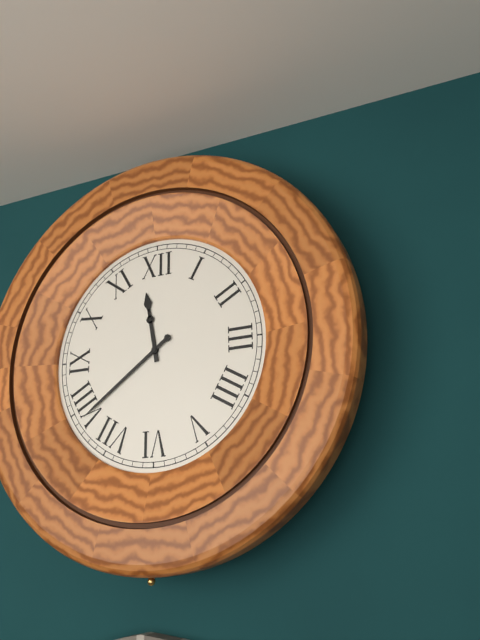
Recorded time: 11.39
